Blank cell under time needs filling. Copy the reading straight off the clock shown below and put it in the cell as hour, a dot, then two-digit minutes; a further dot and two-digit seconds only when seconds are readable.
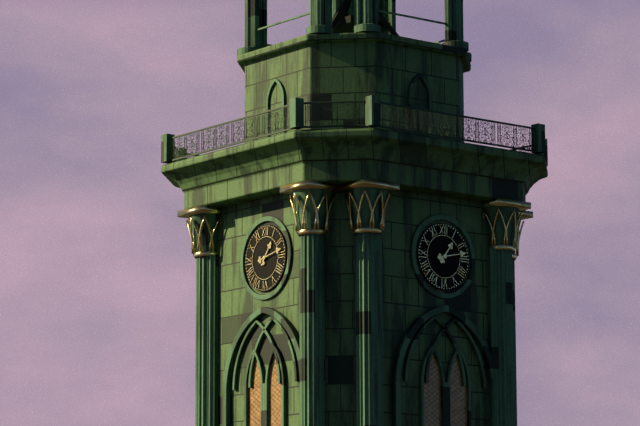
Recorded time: 1.13
